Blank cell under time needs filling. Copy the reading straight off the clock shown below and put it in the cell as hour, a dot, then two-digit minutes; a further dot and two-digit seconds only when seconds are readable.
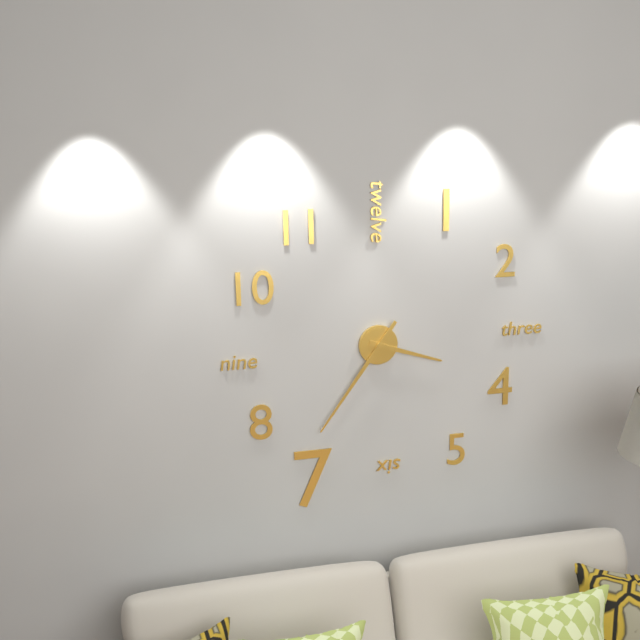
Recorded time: 3.36
